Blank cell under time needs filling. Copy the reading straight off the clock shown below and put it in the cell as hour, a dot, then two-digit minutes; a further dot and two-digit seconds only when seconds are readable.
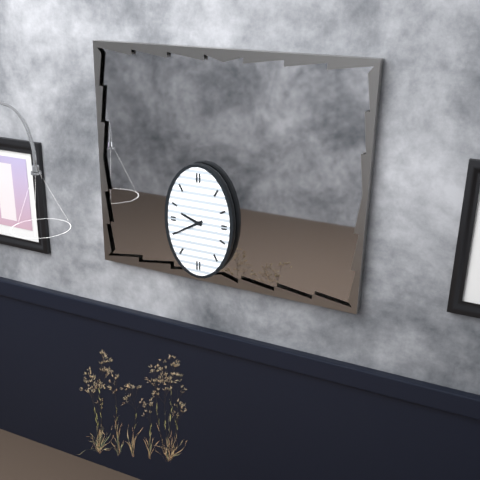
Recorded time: 9.40
